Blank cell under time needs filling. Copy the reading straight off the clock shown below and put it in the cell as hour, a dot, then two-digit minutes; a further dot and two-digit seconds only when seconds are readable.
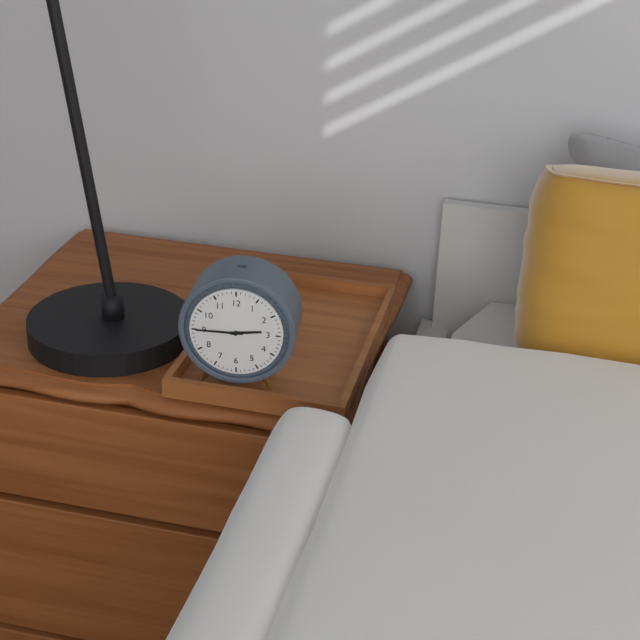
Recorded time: 2.45
